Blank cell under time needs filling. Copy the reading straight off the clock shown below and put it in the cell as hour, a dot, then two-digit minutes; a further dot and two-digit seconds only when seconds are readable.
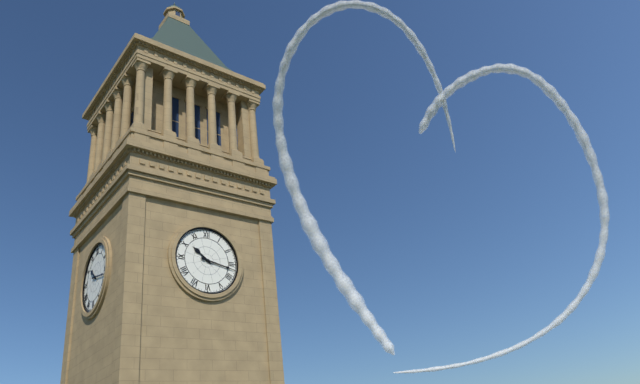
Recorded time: 10.17
